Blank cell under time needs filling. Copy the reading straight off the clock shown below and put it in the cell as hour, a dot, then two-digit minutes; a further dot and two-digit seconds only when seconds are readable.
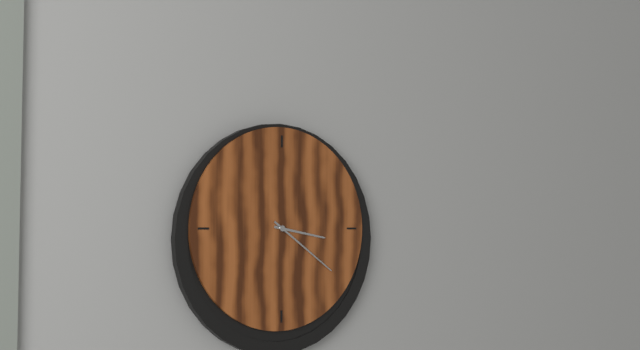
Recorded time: 3.21
